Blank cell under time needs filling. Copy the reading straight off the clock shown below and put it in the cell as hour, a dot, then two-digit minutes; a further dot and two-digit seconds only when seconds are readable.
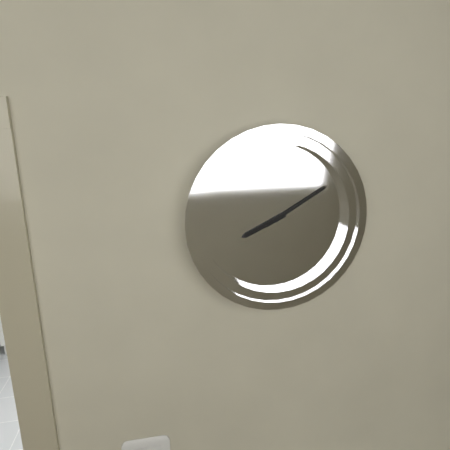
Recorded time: 8.10
